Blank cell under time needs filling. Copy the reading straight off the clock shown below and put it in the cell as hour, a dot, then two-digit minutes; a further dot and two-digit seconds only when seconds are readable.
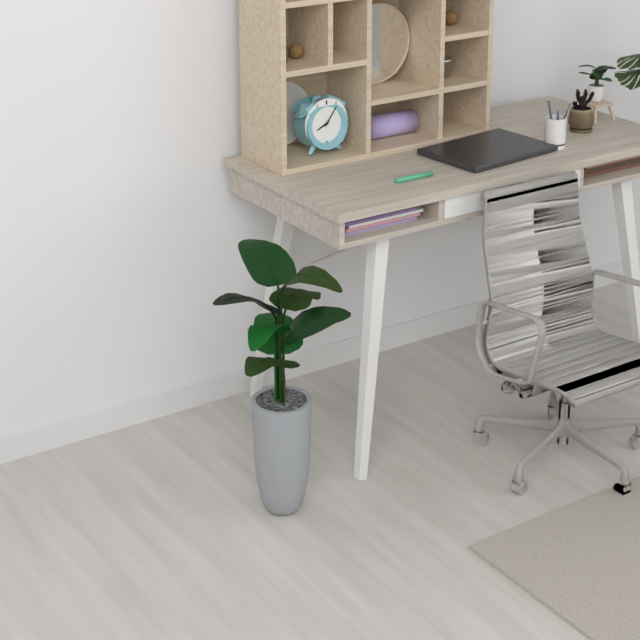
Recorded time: 8.06
